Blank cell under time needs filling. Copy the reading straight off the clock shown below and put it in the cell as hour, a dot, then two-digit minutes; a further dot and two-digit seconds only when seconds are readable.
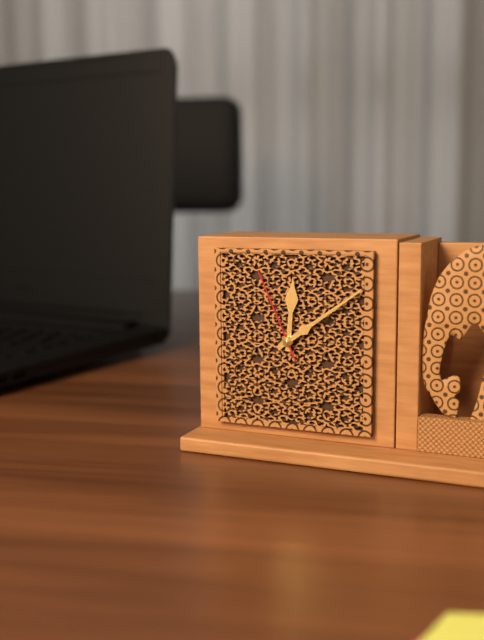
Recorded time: 12.09.56
